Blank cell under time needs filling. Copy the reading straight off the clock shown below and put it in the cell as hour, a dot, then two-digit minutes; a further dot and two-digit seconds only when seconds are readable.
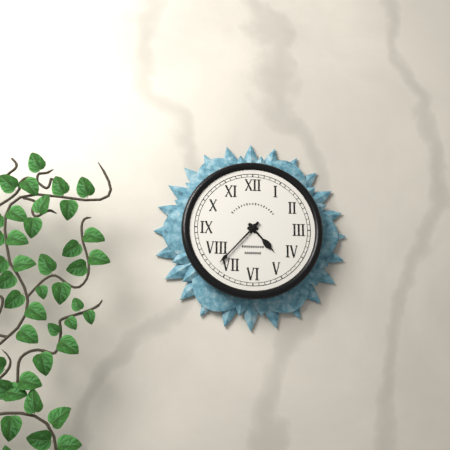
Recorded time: 4.37
